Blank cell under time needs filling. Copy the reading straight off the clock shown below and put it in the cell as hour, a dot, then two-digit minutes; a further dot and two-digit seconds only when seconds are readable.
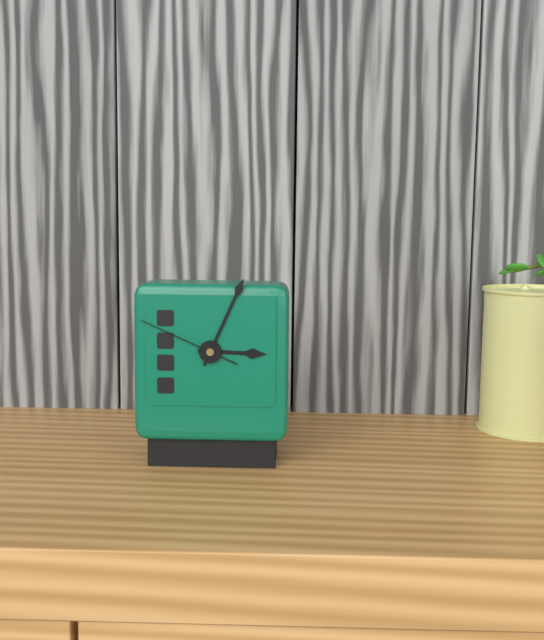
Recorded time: 3.04.49
